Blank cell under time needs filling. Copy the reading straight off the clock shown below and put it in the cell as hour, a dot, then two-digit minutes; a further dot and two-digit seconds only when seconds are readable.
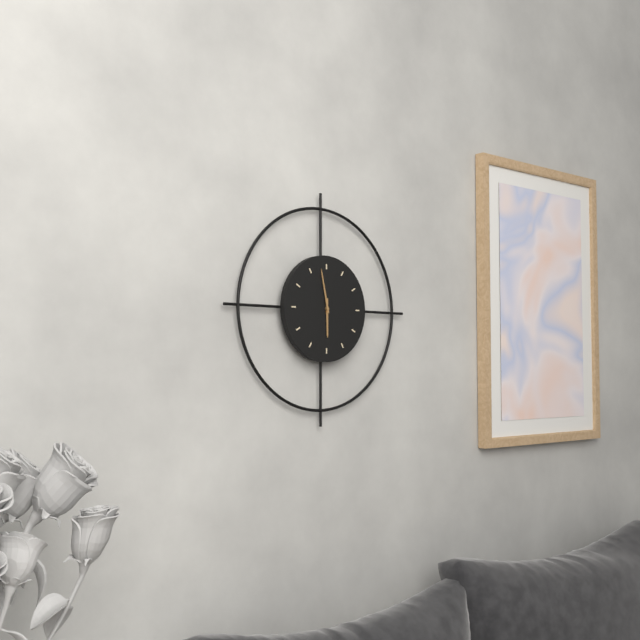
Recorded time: 5.58
